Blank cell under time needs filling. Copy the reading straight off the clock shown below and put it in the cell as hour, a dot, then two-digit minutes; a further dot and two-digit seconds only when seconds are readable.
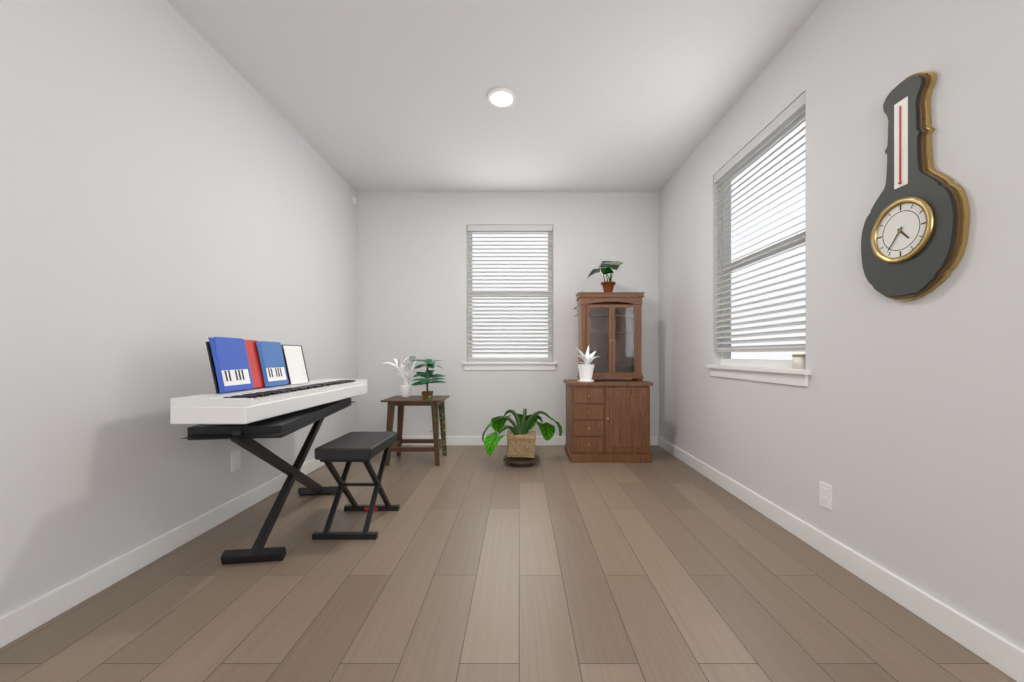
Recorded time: 4.36
